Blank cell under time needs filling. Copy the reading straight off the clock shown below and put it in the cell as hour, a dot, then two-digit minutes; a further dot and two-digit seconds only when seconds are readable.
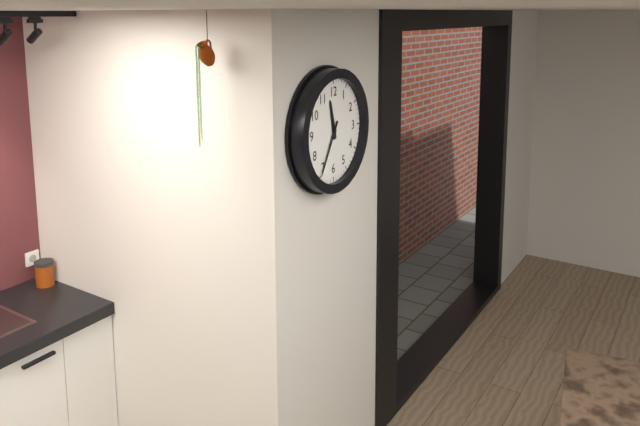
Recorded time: 11.35
